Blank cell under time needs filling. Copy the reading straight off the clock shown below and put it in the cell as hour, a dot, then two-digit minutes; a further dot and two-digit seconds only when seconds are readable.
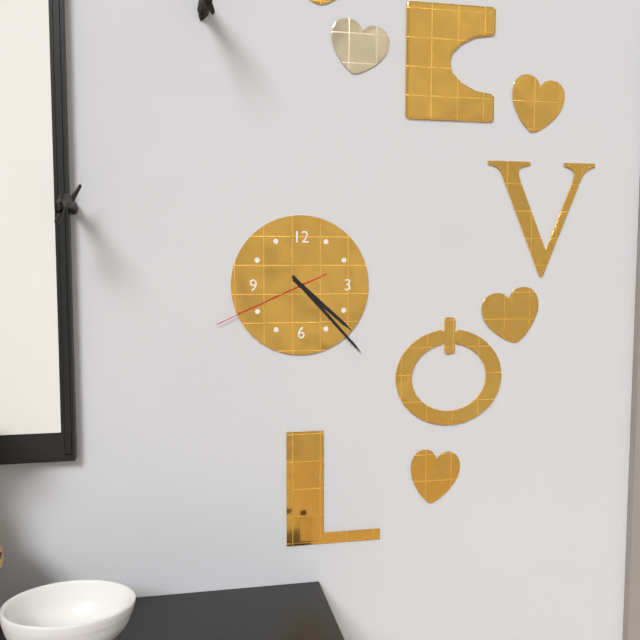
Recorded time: 4.23.41
